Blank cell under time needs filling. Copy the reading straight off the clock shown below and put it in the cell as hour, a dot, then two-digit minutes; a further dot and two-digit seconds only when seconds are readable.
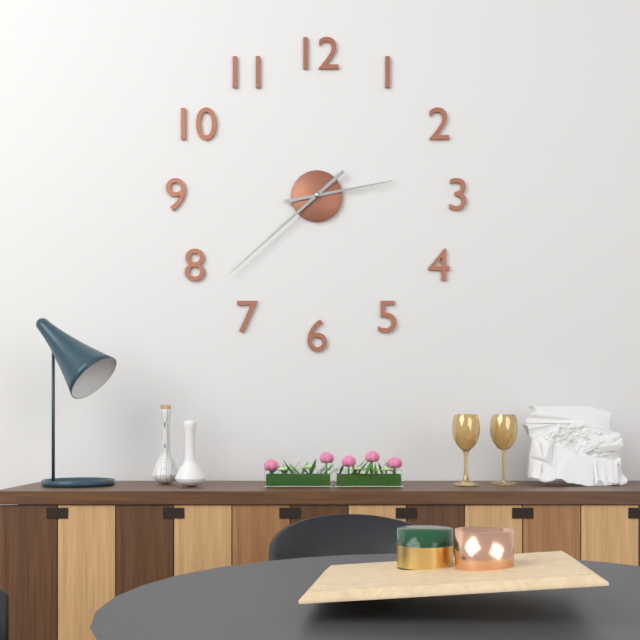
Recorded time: 2.38
